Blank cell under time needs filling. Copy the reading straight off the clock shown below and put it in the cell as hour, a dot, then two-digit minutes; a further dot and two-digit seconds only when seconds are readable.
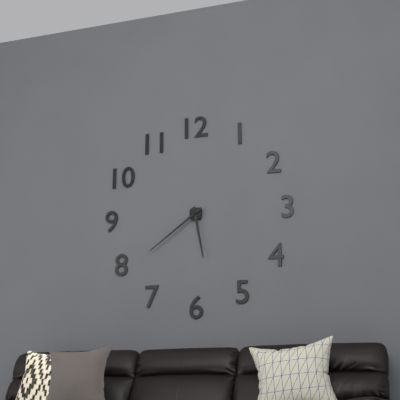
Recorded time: 5.39
